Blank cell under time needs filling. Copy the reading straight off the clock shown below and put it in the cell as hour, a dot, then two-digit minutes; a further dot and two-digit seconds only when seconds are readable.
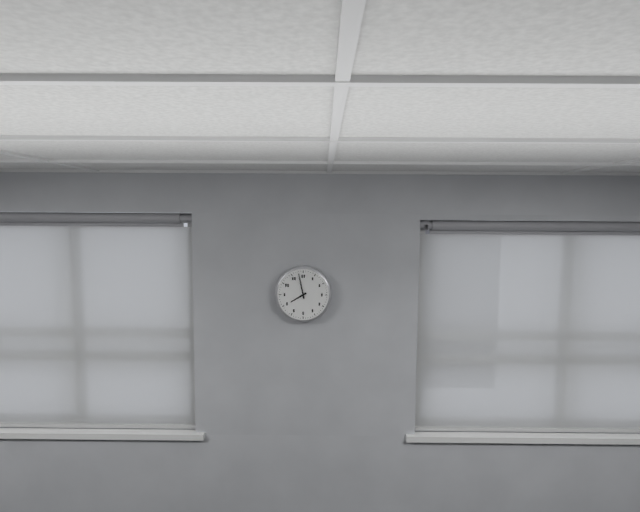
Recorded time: 7.58
